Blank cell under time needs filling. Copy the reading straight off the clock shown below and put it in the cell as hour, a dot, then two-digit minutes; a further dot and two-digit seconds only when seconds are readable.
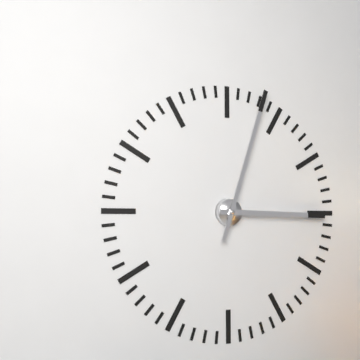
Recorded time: 3.03
